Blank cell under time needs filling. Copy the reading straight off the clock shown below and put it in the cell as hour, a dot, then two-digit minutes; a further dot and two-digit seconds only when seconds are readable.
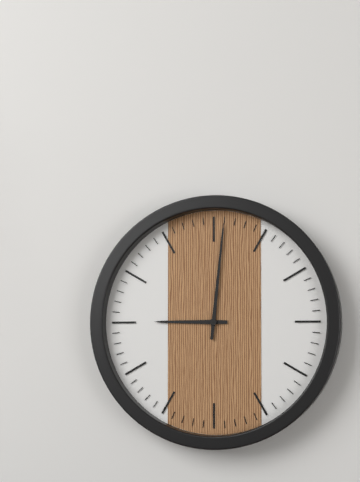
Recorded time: 9.01
